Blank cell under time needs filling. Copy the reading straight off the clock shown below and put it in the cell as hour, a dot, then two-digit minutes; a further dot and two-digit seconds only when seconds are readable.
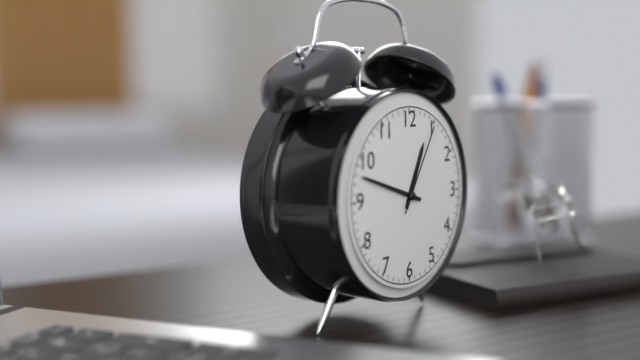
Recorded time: 12.48.05
